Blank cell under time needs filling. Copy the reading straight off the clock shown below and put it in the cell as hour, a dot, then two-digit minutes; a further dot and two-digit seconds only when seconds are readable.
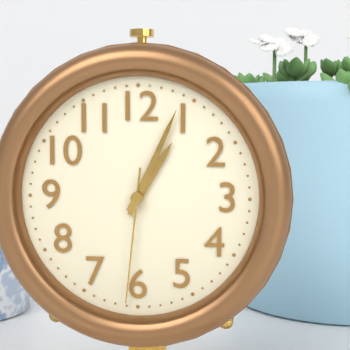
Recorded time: 1.04.31
